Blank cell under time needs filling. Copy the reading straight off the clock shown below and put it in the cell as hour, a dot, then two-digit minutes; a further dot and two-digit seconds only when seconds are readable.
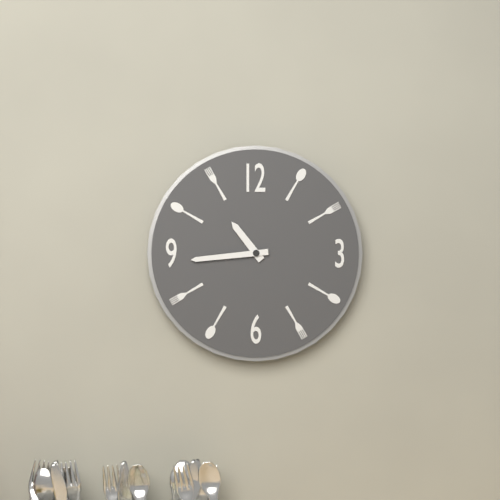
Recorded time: 10.44
